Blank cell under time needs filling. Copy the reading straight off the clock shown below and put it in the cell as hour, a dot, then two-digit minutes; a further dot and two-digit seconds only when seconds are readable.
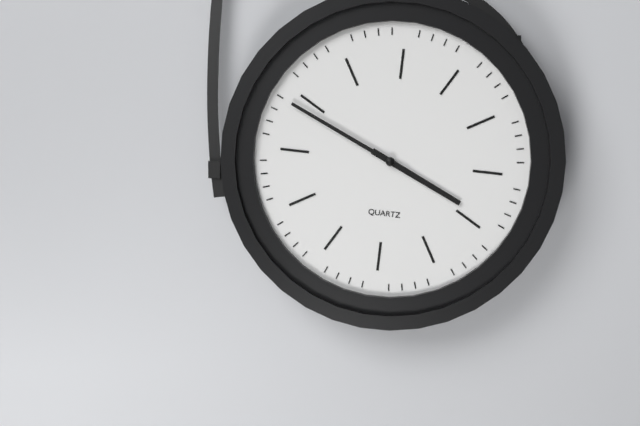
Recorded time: 3.49
